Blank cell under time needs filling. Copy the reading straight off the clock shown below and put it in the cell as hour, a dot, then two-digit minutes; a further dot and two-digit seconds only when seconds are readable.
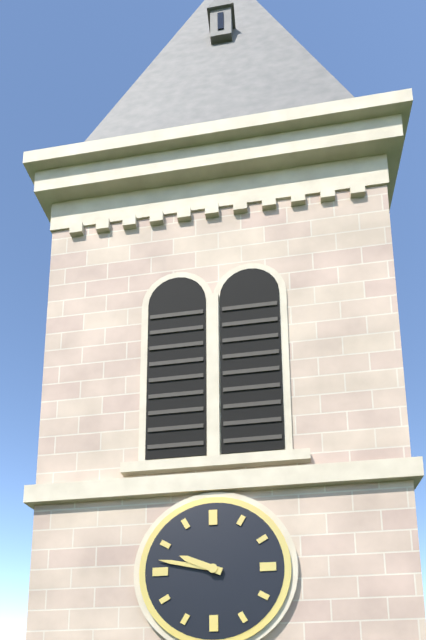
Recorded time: 9.47
